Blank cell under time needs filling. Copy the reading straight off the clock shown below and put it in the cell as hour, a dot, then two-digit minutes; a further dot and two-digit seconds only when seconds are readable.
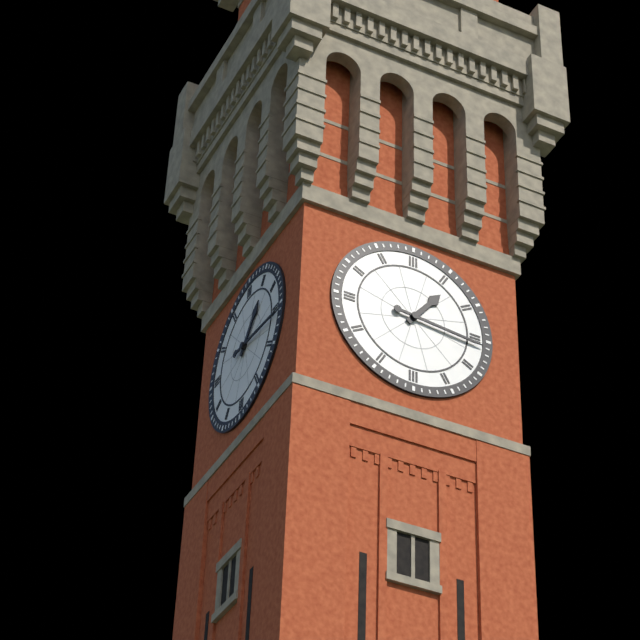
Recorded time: 1.16
